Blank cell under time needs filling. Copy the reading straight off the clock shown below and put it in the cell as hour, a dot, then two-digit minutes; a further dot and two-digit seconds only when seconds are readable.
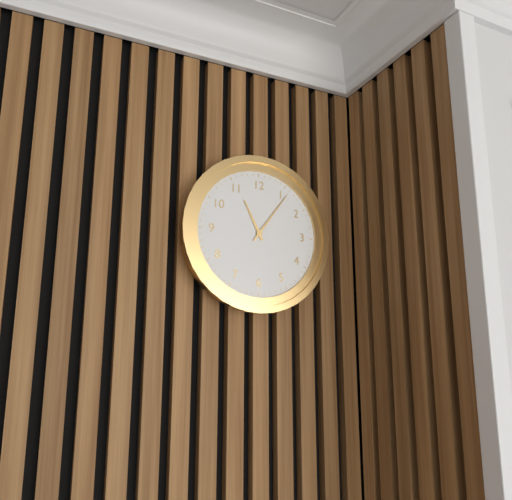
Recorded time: 11.06
